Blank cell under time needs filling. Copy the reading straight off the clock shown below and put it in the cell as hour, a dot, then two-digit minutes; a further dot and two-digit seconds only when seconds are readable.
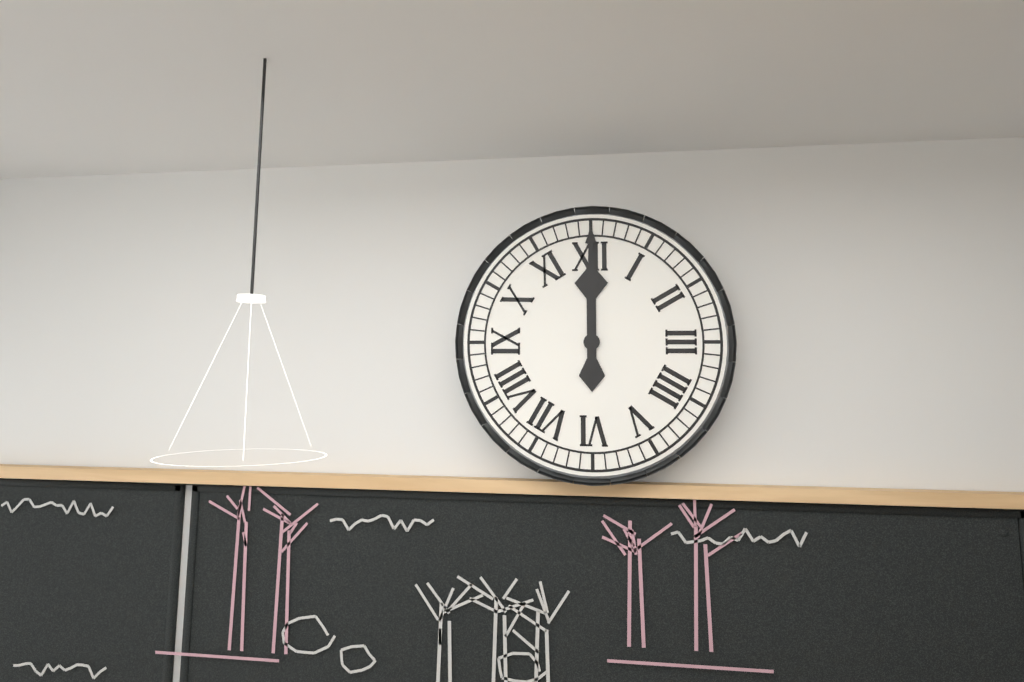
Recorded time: 12.00
